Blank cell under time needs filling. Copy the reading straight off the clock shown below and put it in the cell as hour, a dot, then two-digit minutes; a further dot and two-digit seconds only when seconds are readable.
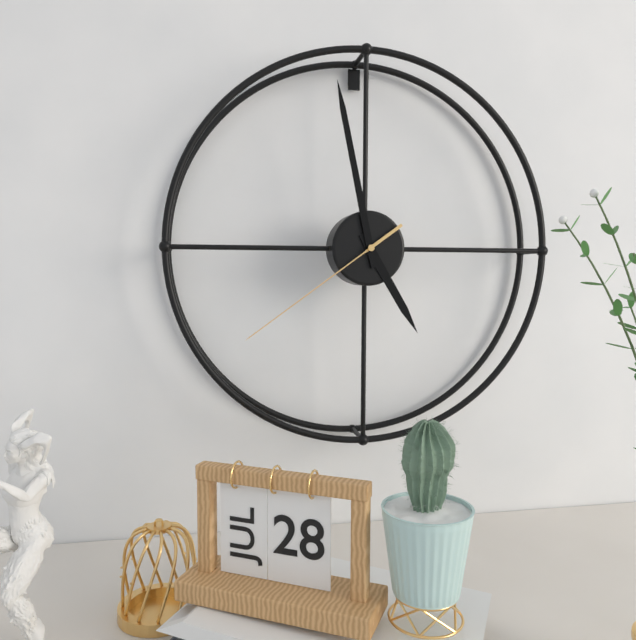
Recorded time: 4.58.39
